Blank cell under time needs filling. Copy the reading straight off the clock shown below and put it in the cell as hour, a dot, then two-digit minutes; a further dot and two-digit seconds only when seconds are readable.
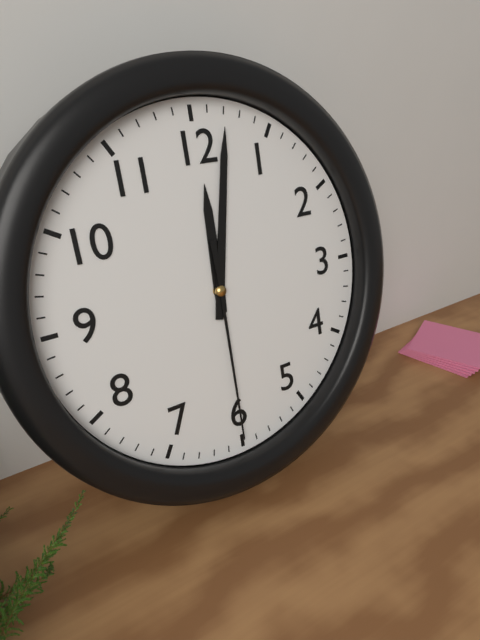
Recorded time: 12.02.30
